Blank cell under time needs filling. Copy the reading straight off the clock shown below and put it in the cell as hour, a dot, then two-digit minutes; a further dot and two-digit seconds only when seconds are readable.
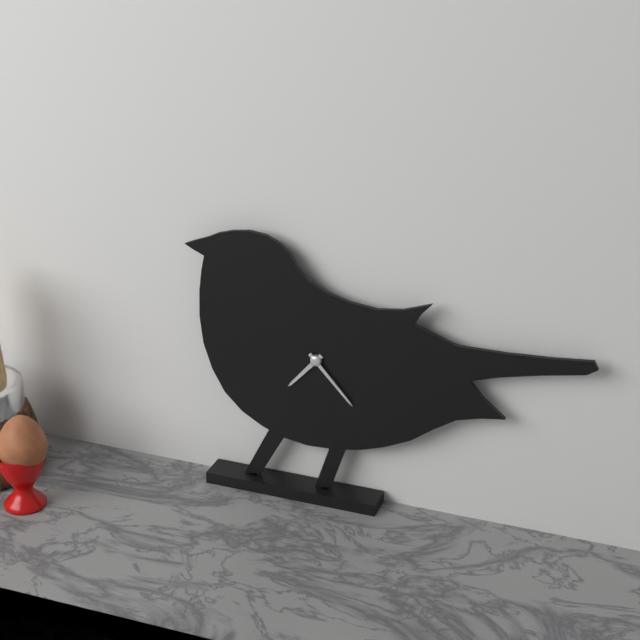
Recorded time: 7.23
